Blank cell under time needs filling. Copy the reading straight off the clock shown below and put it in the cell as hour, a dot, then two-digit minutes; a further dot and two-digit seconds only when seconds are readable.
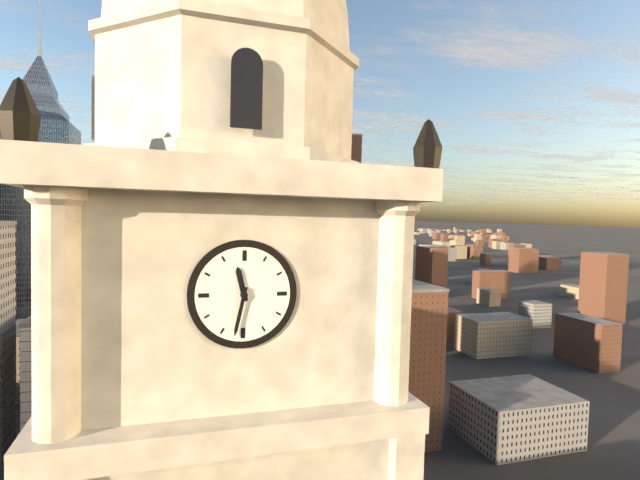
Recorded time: 11.32
